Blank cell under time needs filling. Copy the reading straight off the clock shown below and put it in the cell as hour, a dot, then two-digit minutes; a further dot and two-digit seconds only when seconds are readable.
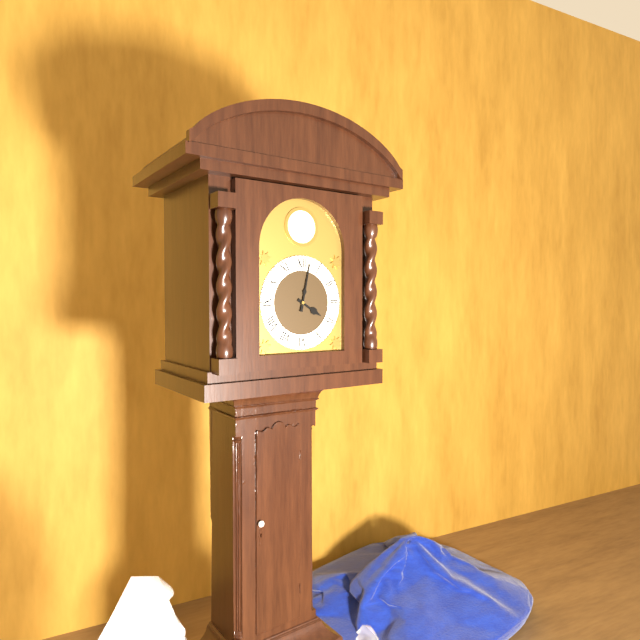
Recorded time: 4.02
